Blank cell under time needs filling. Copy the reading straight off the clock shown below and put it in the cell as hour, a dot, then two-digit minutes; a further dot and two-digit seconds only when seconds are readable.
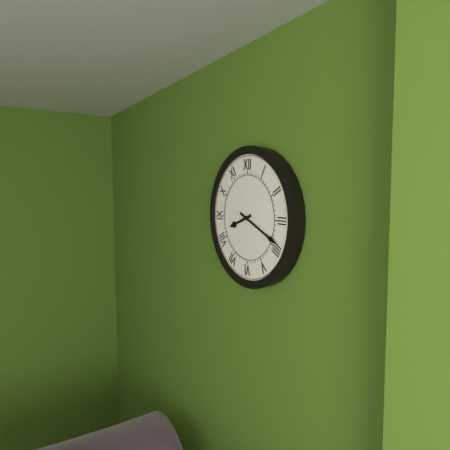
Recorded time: 8.19
